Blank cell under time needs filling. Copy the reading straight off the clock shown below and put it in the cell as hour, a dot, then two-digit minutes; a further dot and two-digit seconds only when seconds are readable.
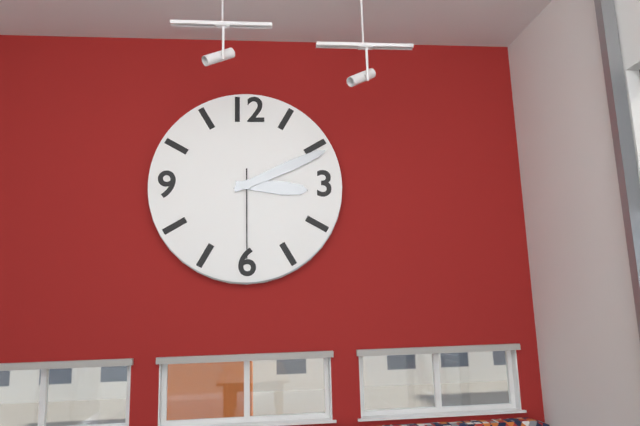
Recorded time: 3.11.30
